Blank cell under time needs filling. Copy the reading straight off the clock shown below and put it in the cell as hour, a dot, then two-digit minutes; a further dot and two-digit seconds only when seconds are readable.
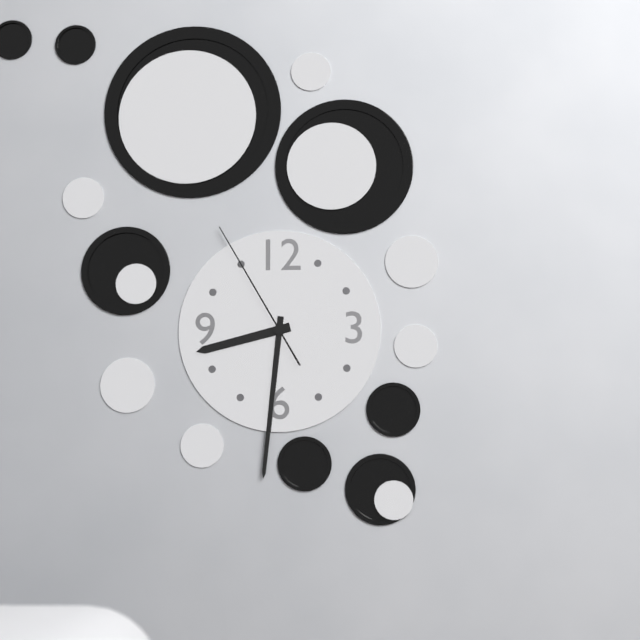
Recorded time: 8.31.55
